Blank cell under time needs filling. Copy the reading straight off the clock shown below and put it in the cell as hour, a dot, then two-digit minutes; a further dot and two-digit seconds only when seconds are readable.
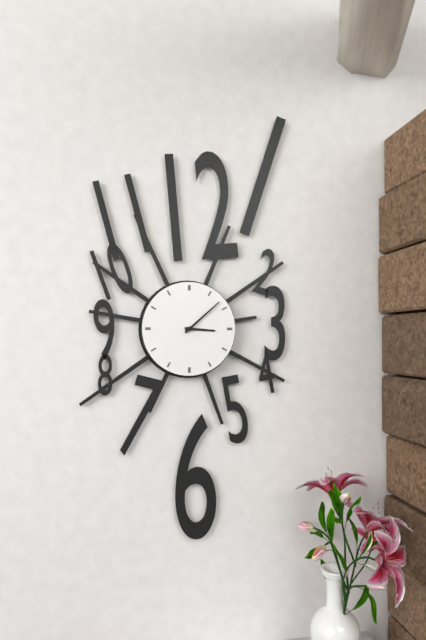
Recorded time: 3.08
